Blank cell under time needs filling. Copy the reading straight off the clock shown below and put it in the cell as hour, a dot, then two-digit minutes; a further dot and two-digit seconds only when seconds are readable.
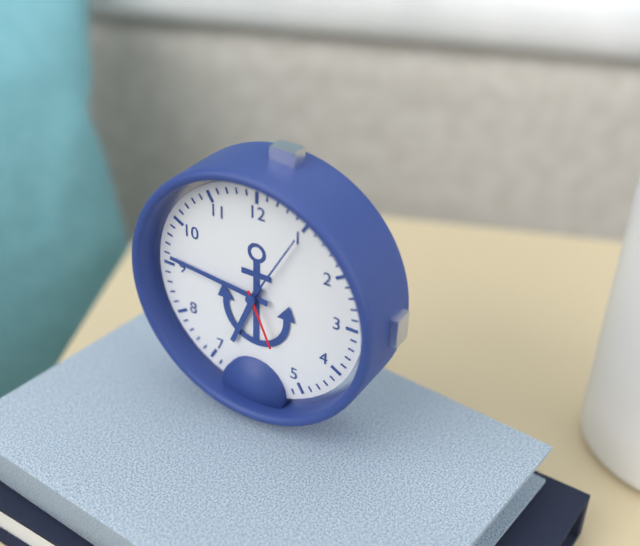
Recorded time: 6.46.26
